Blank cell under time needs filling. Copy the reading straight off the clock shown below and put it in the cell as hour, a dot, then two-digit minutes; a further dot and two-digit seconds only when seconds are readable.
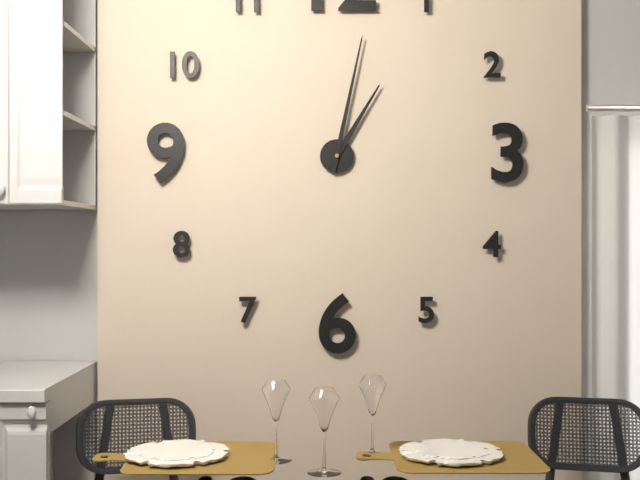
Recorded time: 1.02
